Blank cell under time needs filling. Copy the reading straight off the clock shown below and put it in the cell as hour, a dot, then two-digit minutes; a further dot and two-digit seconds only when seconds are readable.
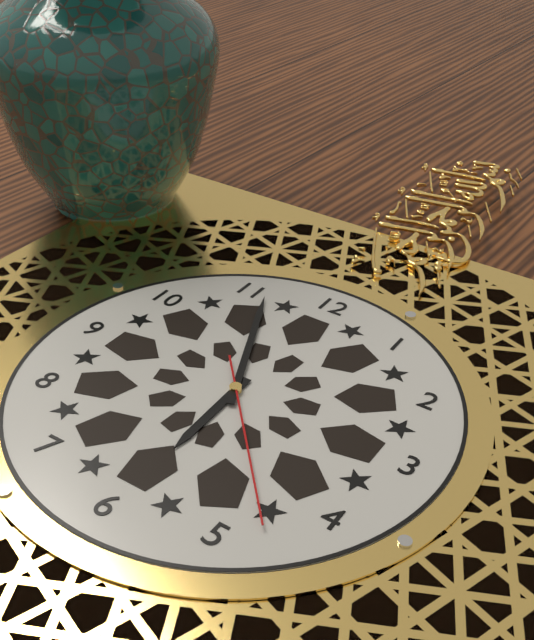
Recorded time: 5.56.23
